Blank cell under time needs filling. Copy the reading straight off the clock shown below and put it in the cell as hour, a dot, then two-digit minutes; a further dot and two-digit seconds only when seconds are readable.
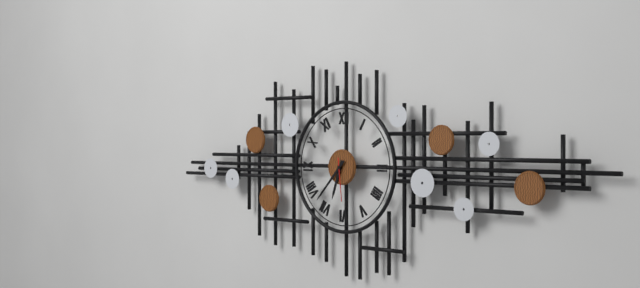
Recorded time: 6.37
